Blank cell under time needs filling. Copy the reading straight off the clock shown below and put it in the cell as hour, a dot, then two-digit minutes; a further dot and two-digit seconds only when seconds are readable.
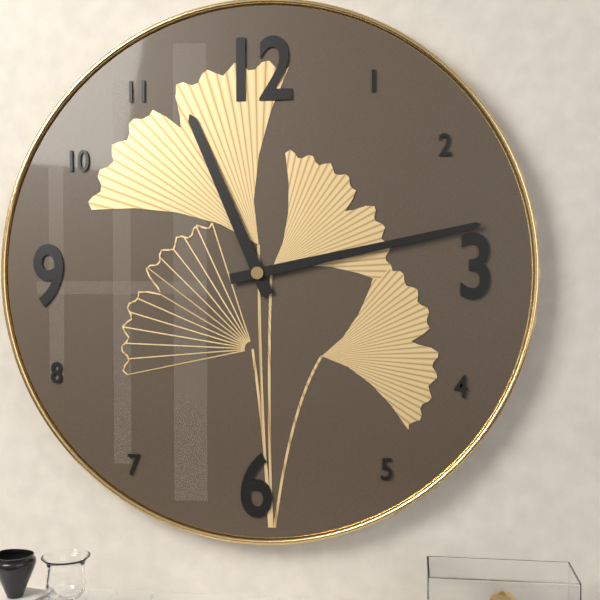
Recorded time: 11.13
